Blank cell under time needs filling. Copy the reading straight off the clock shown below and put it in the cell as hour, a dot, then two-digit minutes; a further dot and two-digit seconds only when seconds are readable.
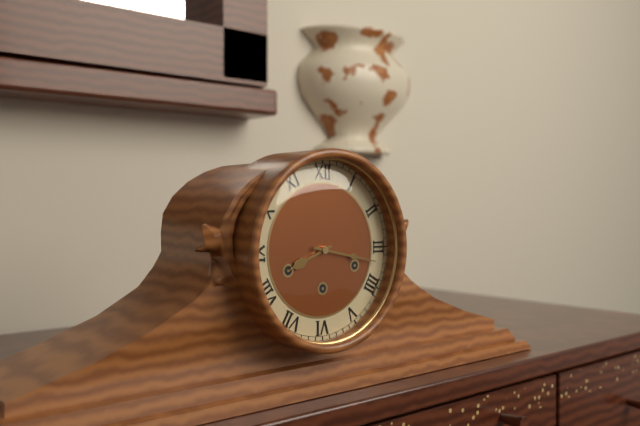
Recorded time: 8.17
